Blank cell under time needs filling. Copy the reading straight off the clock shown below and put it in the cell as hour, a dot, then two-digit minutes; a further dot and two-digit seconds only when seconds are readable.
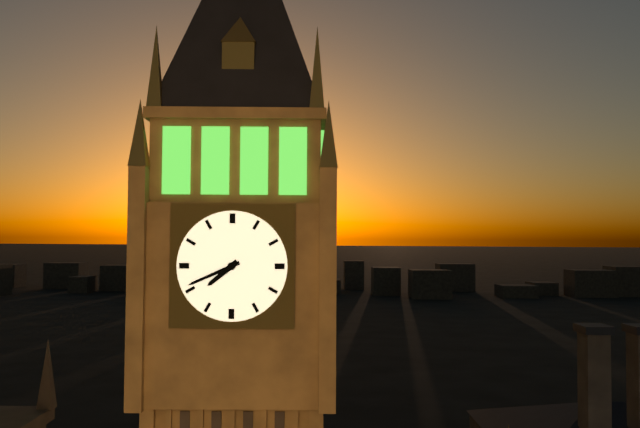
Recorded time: 7.41
